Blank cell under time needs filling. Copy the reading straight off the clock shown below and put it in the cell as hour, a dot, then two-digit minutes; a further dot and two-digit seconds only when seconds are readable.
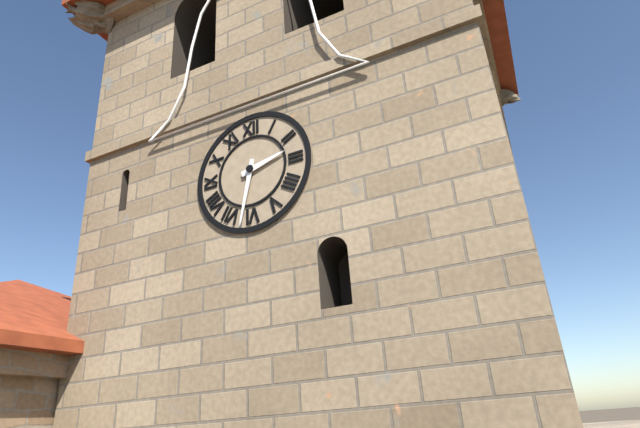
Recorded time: 2.32
